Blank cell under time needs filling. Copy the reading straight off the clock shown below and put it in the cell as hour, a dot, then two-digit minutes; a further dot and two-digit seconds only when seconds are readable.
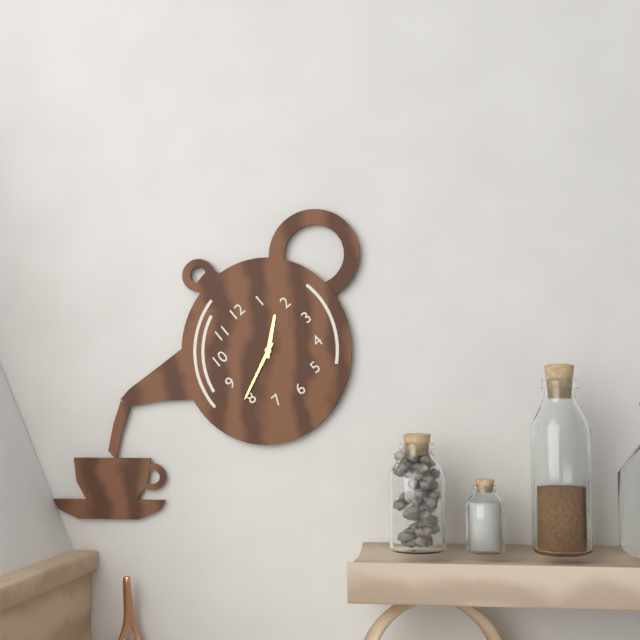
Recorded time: 1.41
